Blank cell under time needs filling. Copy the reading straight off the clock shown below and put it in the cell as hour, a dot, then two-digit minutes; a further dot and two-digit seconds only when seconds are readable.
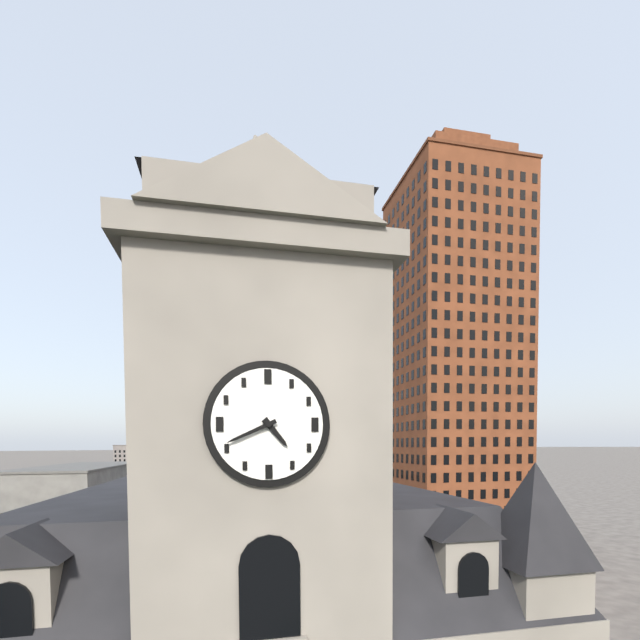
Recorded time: 4.41
